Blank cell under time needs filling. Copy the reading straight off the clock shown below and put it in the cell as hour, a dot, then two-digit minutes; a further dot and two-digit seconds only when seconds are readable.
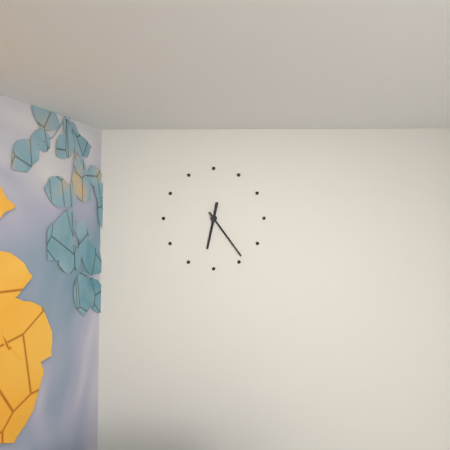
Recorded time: 6.24
